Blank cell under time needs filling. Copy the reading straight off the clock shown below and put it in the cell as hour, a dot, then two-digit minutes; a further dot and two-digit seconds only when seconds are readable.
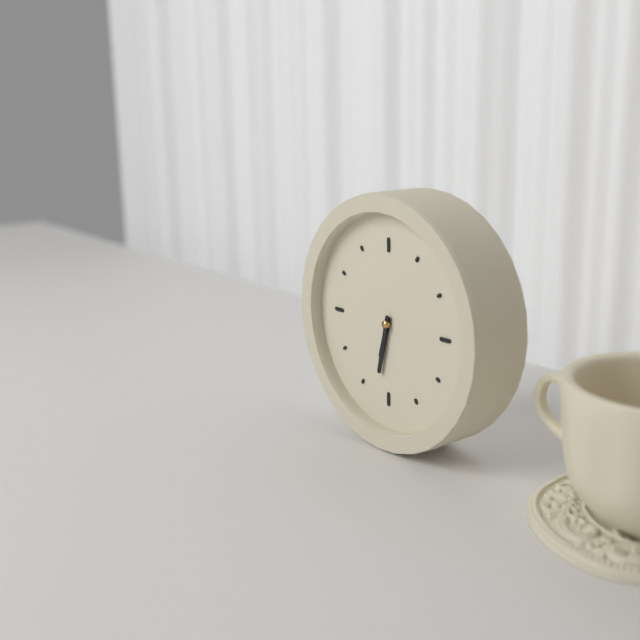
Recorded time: 6.32
